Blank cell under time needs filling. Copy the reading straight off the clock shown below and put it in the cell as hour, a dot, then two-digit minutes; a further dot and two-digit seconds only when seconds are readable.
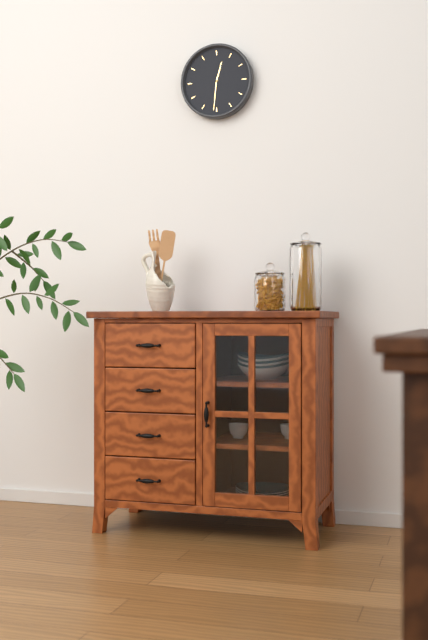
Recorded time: 12.31
